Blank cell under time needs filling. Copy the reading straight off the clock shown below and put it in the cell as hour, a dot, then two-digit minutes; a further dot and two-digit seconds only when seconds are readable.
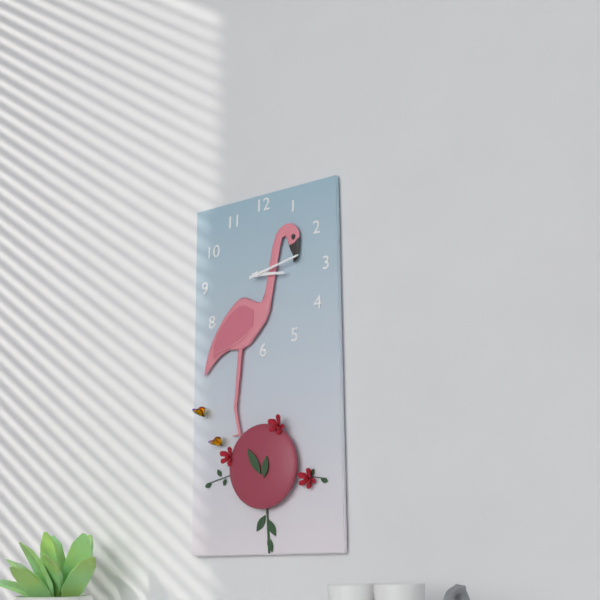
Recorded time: 3.13
